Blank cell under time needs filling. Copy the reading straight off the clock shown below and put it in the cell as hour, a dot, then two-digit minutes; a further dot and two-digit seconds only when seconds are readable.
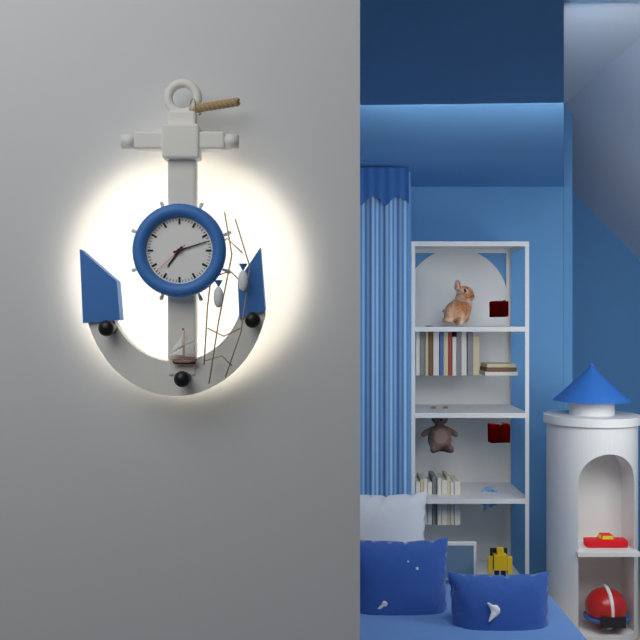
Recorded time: 7.12
